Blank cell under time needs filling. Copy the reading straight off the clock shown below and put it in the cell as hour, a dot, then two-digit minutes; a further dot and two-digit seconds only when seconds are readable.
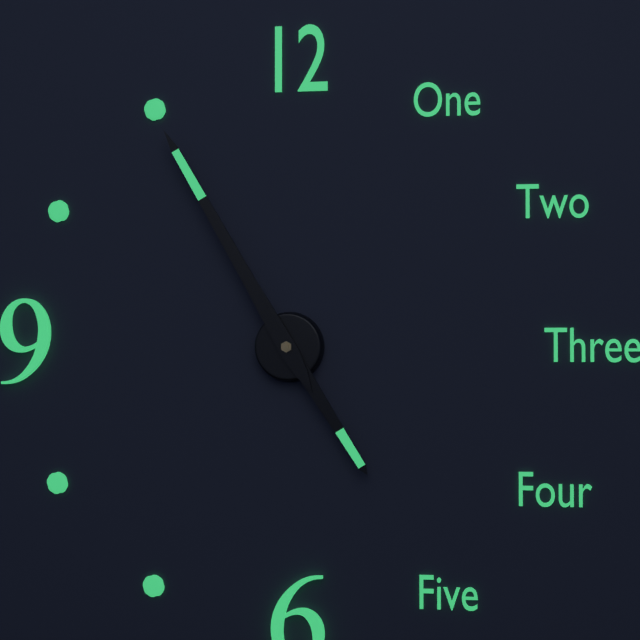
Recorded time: 4.55
